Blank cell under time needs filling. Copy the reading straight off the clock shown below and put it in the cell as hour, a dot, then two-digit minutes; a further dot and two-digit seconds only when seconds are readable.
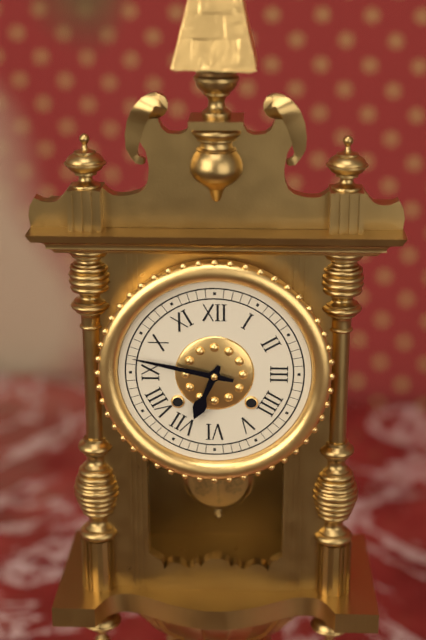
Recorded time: 6.47
